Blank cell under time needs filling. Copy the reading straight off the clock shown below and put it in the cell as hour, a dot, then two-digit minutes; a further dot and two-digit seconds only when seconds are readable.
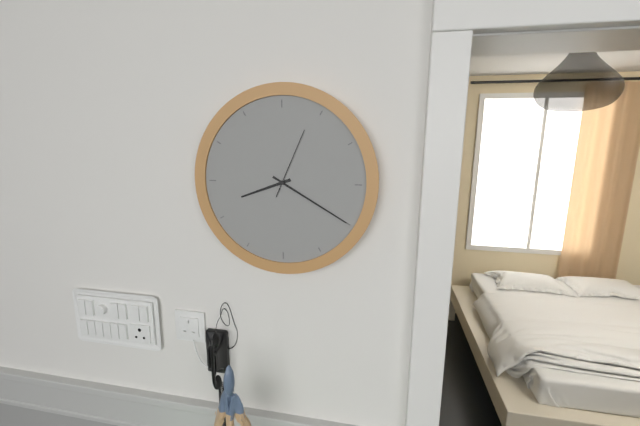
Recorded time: 8.20.04
